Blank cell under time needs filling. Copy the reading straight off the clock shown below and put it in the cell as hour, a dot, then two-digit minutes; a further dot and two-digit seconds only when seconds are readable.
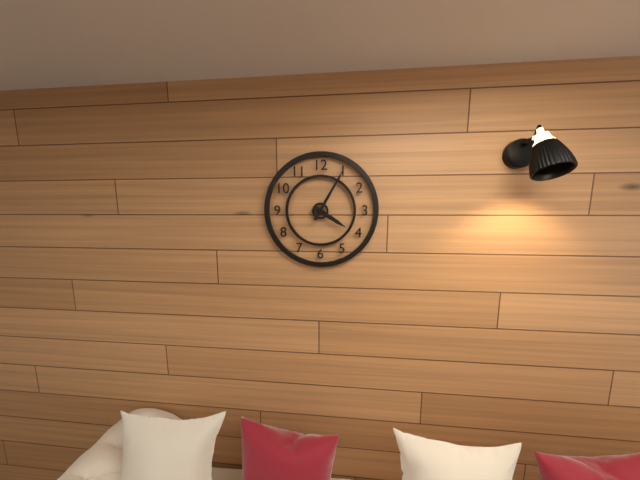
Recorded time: 4.05
